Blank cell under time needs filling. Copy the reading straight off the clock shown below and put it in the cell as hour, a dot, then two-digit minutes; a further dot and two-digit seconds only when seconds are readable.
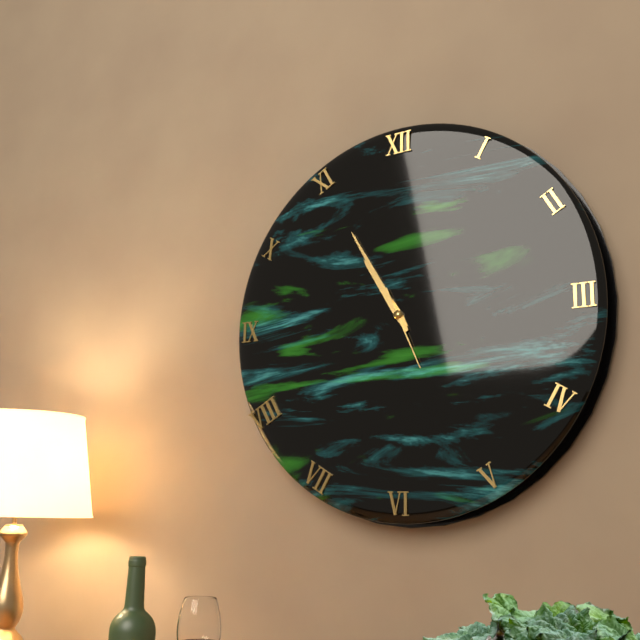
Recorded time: 10.55.26
